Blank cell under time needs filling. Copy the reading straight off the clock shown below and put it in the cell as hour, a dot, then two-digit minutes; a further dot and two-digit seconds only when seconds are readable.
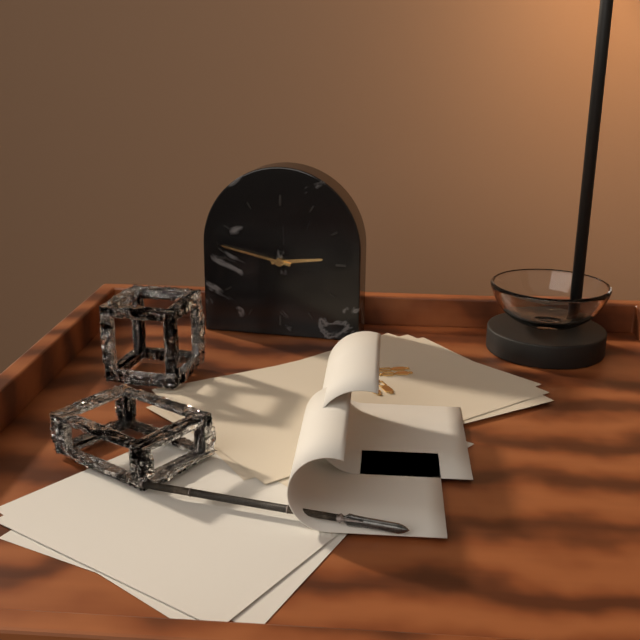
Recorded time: 2.47
